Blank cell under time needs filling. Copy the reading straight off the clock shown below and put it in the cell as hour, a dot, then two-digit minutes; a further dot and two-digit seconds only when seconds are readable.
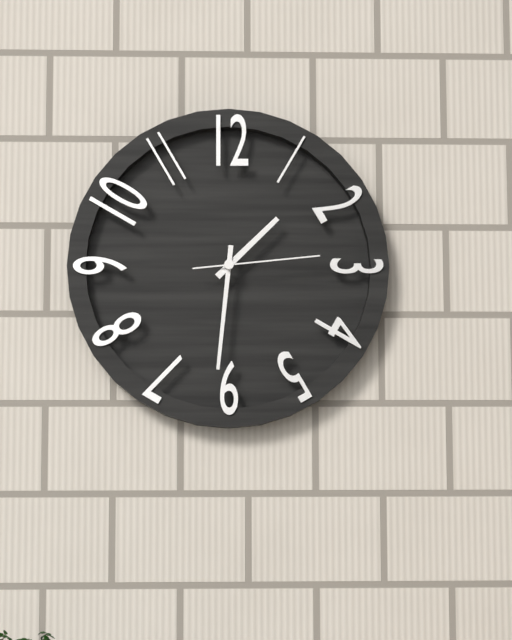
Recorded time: 1.31.14
